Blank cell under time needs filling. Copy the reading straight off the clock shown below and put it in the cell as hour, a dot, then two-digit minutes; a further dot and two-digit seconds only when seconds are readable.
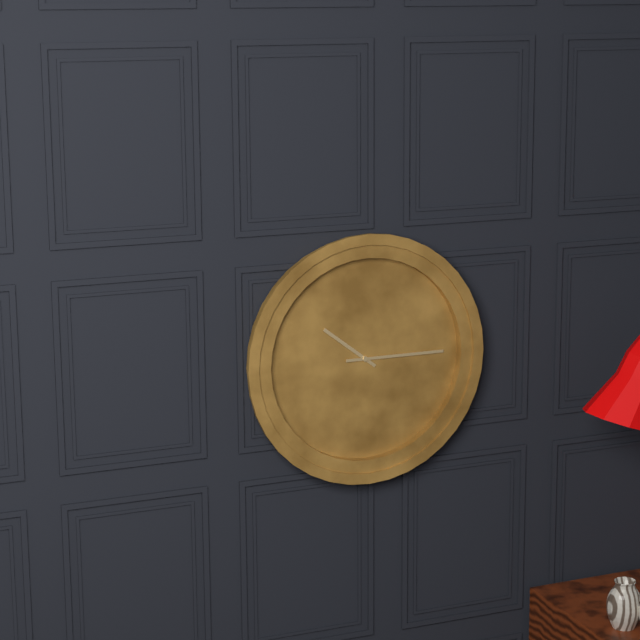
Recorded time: 10.15
